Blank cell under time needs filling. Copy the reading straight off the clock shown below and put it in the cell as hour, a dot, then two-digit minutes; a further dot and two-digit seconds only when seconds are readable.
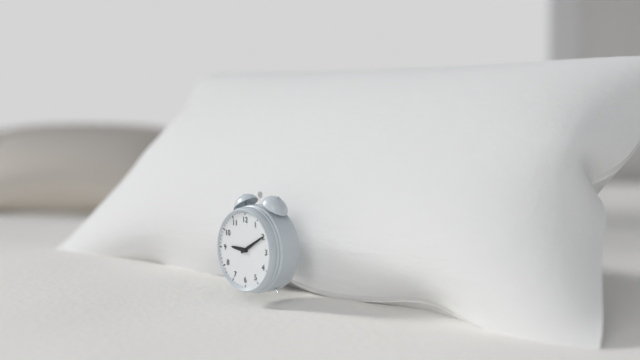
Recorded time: 9.10
